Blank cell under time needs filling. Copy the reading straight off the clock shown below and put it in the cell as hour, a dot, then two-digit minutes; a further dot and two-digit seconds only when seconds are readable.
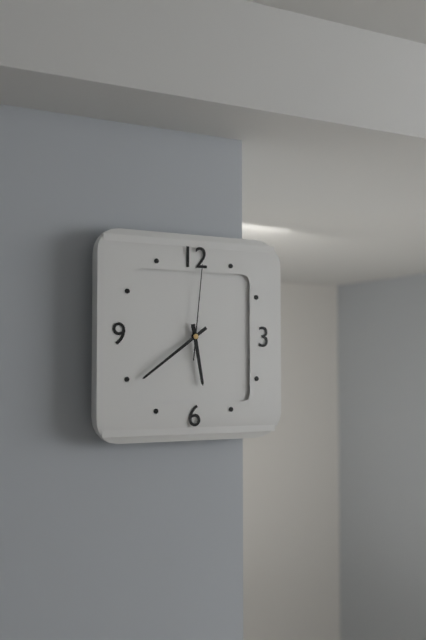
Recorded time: 5.39.01
